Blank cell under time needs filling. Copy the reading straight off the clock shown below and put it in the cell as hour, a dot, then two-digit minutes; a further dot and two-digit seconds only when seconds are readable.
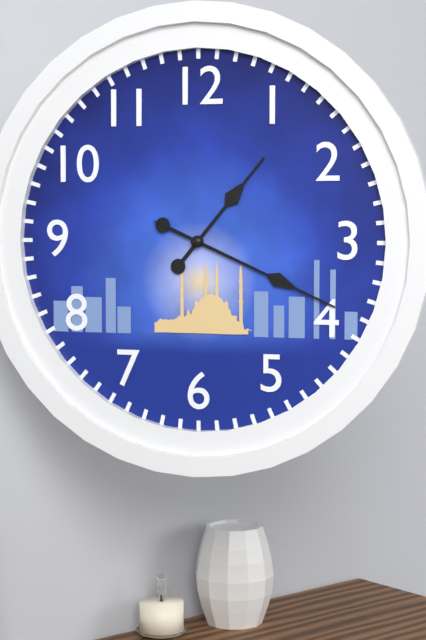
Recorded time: 1.19.19
